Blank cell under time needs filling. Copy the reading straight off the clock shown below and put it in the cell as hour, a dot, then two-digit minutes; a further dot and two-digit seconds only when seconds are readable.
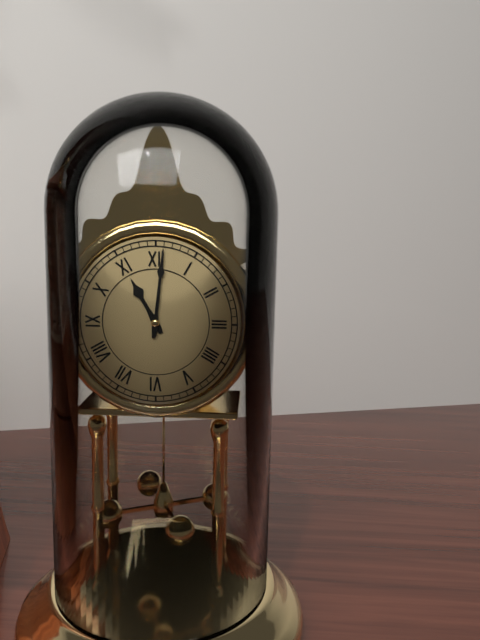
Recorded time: 11.01
